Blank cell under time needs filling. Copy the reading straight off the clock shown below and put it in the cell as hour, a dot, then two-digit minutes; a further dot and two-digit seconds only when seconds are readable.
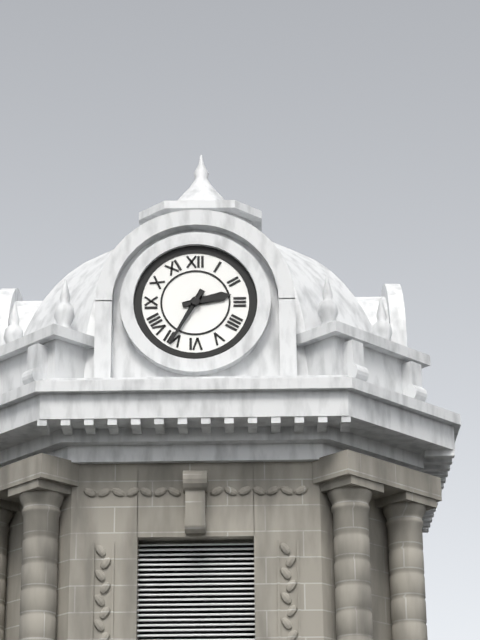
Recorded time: 2.35
